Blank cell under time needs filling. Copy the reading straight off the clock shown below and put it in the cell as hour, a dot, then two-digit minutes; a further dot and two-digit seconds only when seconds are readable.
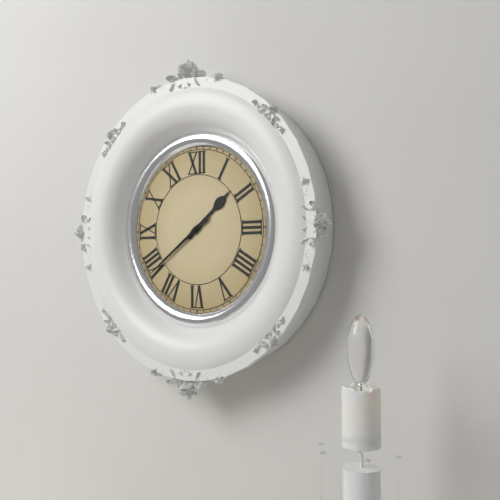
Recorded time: 1.39
